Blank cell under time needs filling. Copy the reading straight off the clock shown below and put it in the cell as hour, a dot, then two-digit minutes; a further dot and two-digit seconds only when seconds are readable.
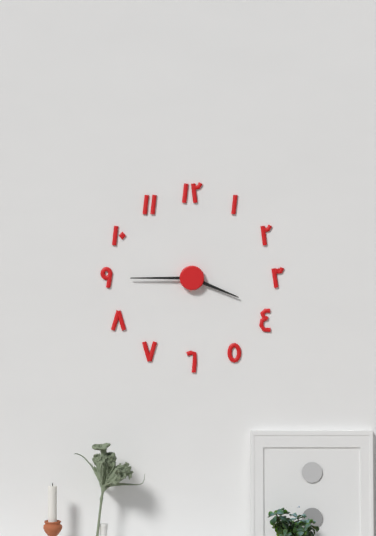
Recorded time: 3.45
